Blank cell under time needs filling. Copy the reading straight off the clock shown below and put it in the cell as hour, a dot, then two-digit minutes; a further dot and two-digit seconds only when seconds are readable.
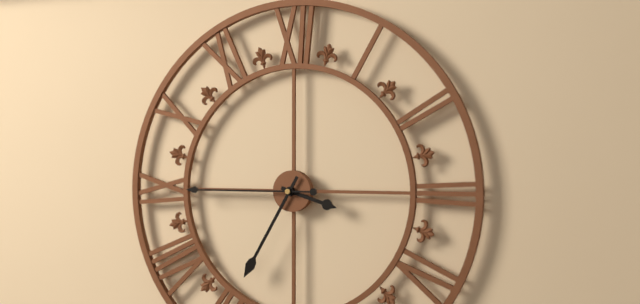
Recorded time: 3.35.45
